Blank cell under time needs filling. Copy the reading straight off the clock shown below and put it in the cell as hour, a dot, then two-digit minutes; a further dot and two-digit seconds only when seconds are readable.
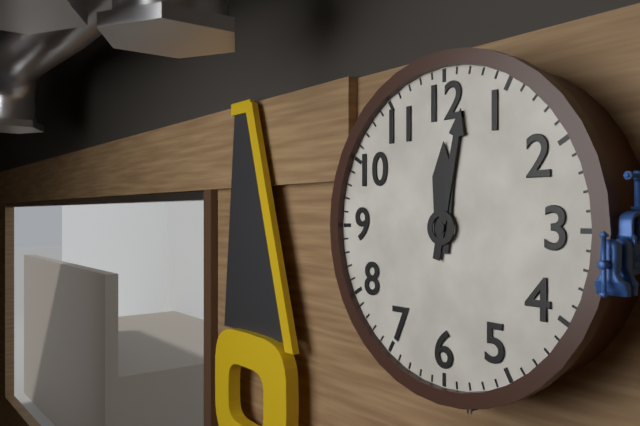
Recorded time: 12.02
